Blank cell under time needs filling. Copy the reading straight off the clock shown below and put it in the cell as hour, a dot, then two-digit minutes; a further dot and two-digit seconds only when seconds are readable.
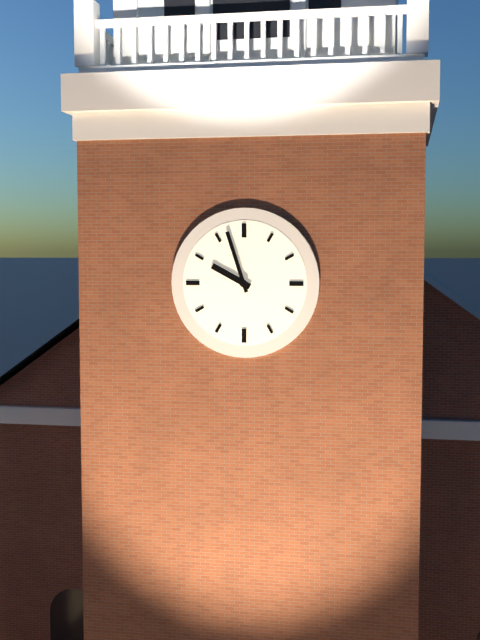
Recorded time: 9.57
